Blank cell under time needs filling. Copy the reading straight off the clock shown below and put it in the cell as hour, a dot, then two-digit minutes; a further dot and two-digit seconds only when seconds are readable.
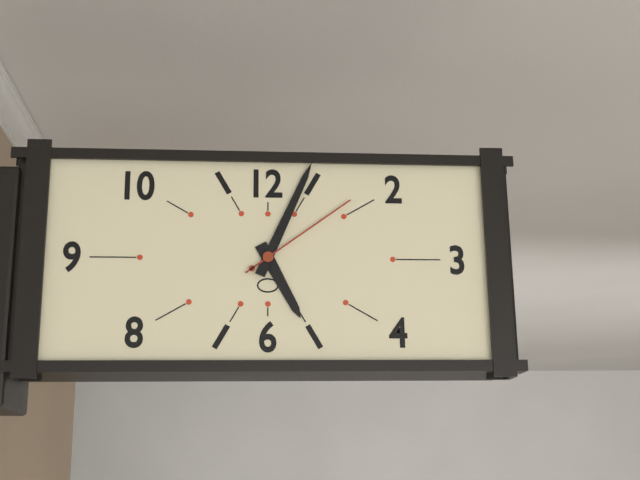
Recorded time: 5.04.09
